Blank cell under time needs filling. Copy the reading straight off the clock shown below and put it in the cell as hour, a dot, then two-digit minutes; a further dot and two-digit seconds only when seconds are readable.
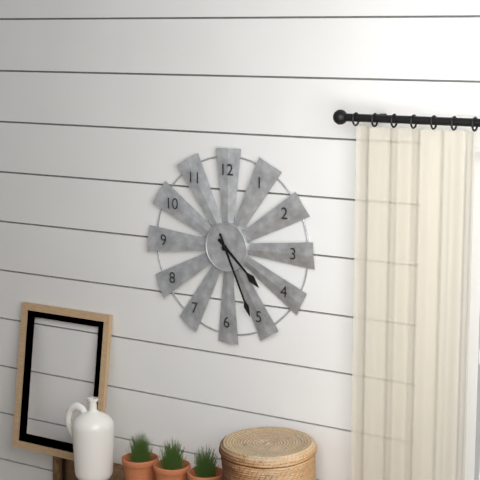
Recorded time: 4.26
